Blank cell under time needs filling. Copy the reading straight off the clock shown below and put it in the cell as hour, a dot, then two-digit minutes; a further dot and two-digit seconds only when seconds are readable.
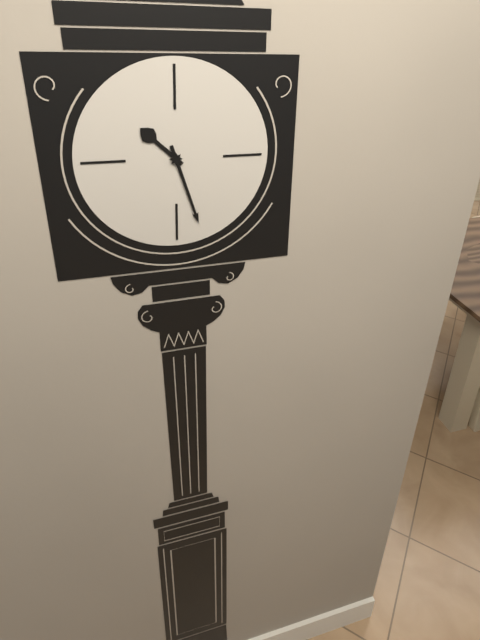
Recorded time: 10.27
